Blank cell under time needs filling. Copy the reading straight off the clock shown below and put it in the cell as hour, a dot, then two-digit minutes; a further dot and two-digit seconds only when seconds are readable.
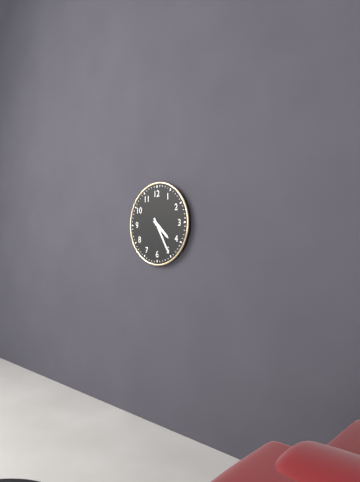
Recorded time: 4.25
